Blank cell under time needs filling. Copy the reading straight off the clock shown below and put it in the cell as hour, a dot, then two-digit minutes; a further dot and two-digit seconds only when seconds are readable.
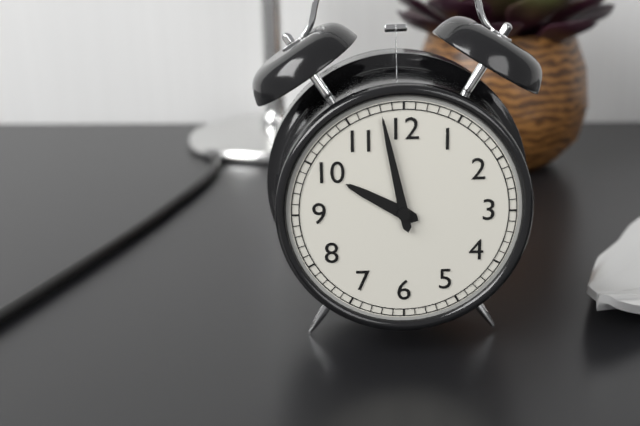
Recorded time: 9.58
